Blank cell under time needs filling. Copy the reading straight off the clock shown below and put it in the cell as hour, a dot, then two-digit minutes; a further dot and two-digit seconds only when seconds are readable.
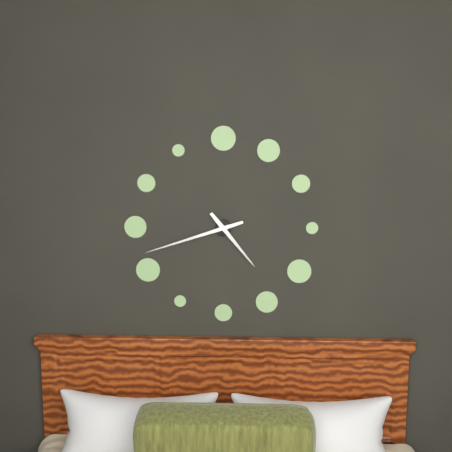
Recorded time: 4.42
